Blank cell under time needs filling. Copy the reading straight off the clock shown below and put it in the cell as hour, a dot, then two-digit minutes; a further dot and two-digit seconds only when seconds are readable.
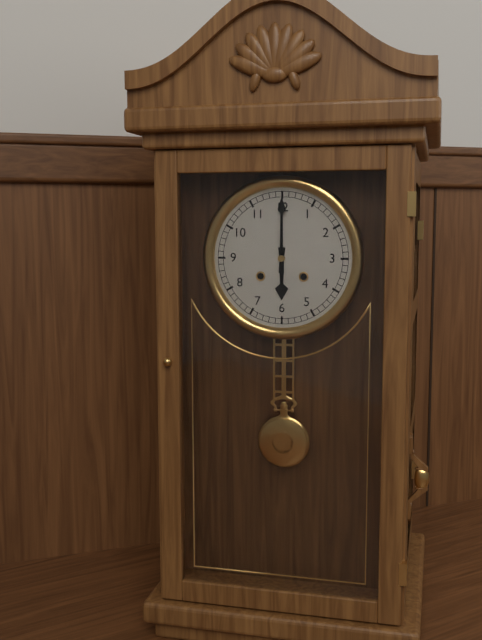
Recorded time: 6.00
